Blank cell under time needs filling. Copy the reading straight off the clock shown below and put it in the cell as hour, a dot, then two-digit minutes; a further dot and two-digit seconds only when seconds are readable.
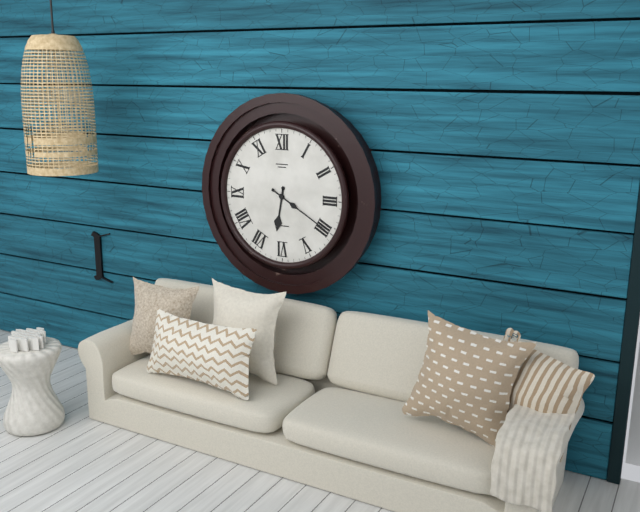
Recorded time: 6.20
